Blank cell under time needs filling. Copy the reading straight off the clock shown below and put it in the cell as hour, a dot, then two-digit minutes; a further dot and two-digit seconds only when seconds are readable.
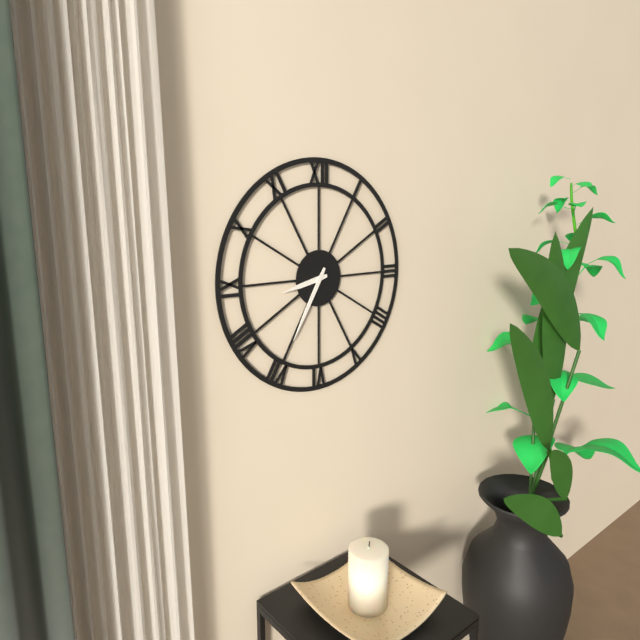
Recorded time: 8.35
